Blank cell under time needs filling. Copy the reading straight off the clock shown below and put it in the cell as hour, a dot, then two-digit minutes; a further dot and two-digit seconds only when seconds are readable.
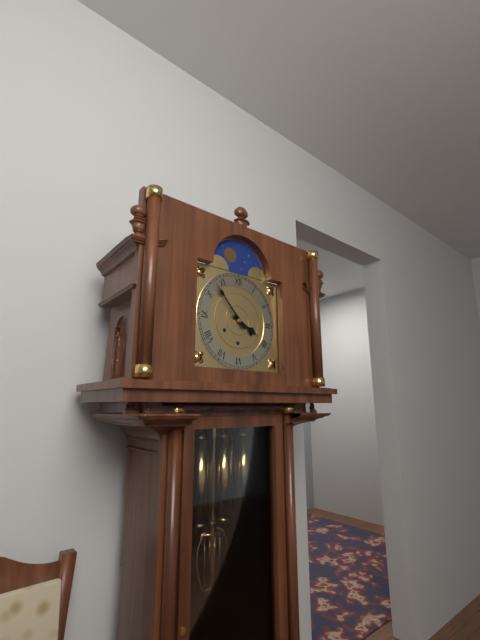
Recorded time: 3.53
